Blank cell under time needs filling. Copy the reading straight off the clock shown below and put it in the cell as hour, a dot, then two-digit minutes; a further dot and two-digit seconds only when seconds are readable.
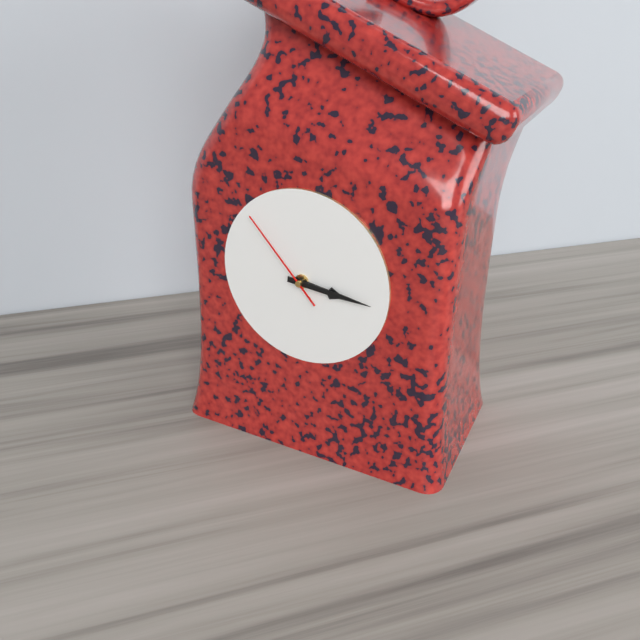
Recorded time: 3.16.53
